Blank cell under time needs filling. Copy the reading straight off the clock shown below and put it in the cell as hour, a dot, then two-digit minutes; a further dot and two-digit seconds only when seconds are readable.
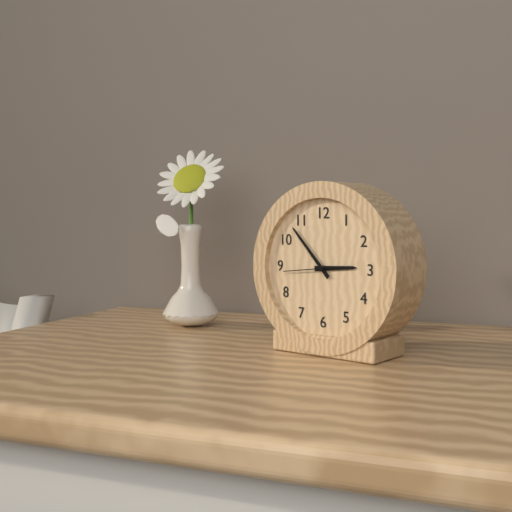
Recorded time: 2.53
